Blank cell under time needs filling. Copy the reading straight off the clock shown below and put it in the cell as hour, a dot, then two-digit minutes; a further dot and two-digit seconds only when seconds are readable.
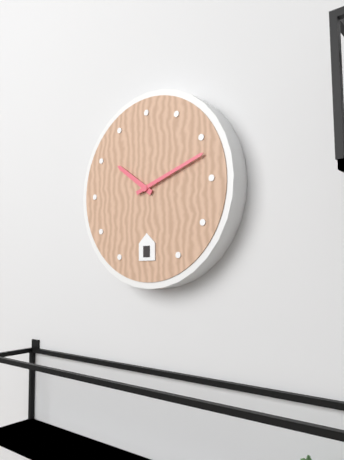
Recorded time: 10.12
